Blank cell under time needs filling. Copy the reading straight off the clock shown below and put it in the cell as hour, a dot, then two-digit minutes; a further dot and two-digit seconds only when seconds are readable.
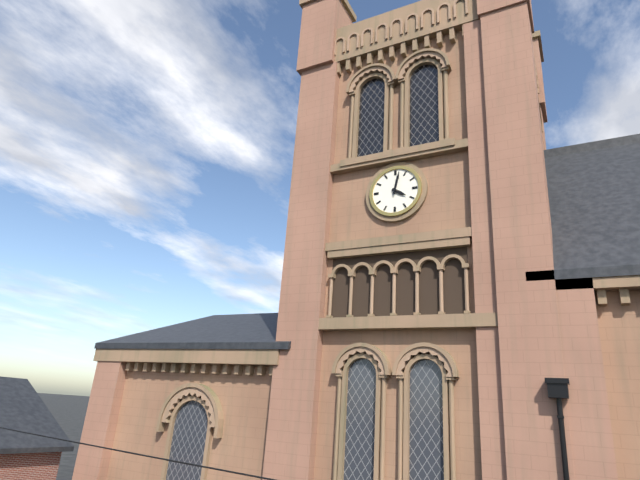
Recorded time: 4.02
